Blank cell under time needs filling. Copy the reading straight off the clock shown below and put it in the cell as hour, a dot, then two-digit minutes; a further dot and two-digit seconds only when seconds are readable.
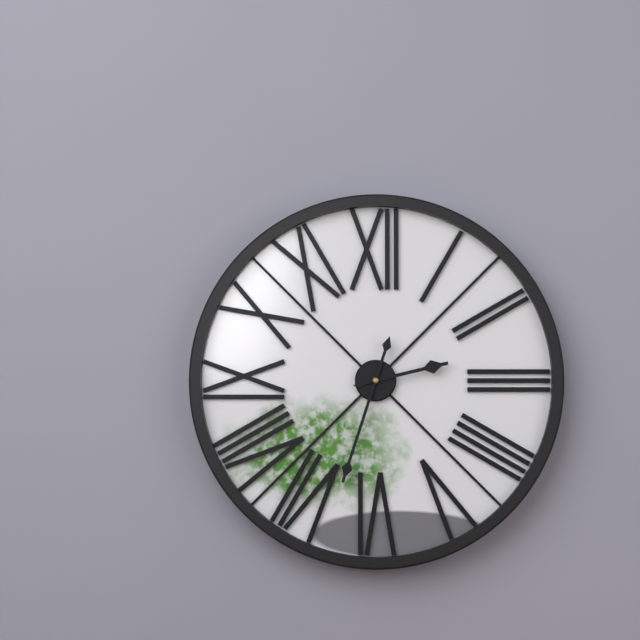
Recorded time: 2.33
